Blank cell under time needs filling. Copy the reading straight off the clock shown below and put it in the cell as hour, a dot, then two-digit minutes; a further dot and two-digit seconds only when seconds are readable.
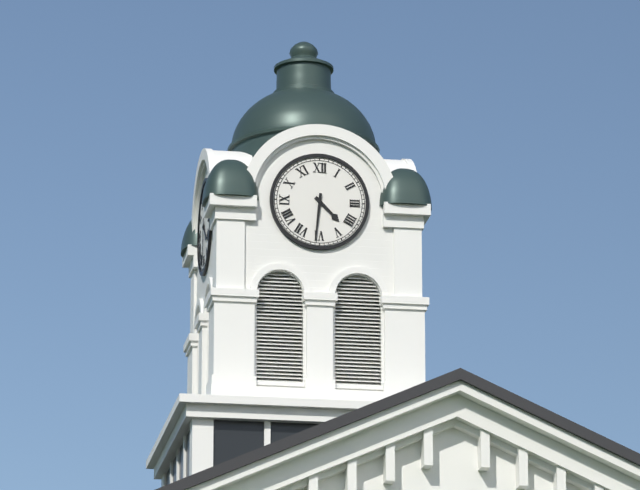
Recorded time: 4.31
